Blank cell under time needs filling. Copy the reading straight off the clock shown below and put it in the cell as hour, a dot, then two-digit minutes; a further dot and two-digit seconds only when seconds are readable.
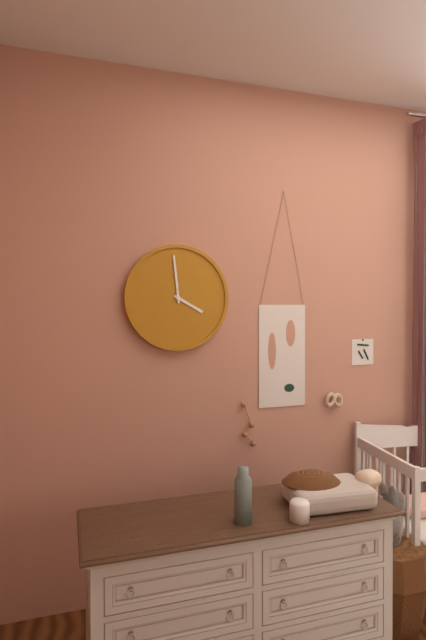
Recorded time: 3.59
